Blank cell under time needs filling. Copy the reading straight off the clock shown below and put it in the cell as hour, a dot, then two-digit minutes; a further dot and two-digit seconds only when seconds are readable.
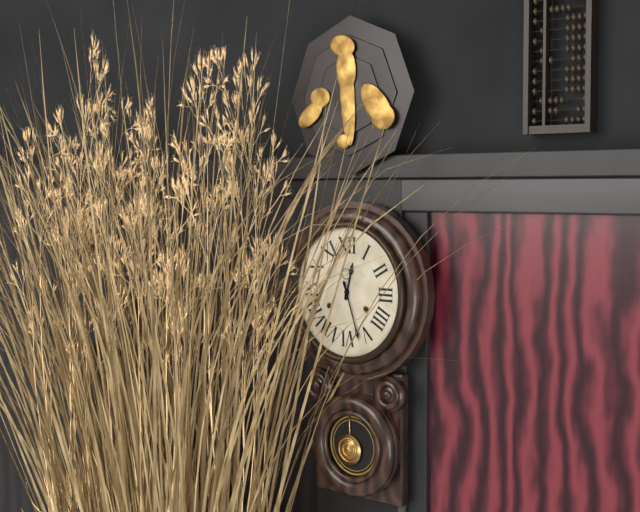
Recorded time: 12.27
